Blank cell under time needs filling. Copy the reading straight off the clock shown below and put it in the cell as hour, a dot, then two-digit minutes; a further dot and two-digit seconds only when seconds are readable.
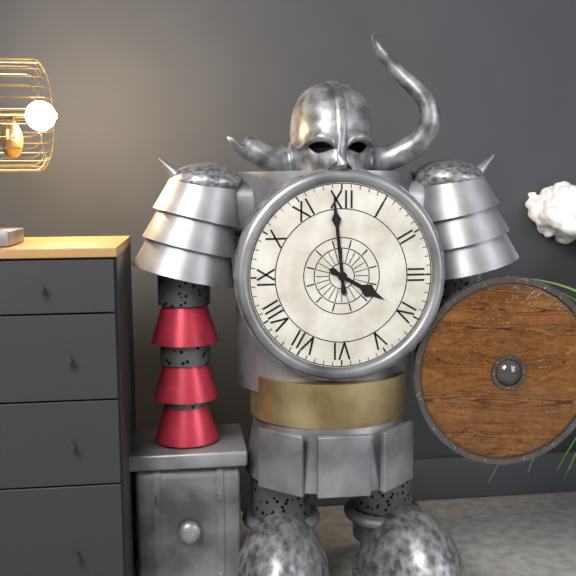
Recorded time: 3.59
